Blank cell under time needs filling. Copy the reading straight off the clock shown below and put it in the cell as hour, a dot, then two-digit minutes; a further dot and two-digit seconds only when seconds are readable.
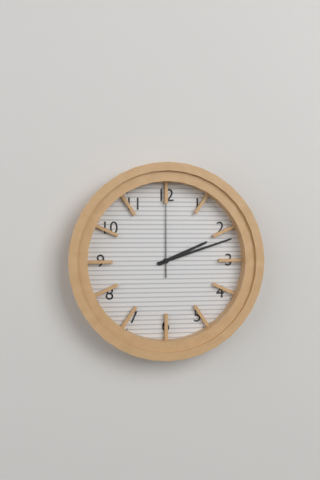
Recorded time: 2.12.00
